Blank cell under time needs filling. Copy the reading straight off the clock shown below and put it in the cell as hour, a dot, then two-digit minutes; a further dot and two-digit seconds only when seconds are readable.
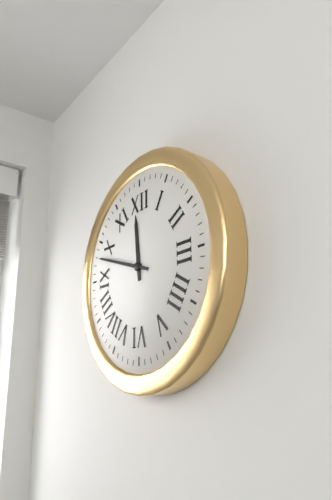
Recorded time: 11.48
